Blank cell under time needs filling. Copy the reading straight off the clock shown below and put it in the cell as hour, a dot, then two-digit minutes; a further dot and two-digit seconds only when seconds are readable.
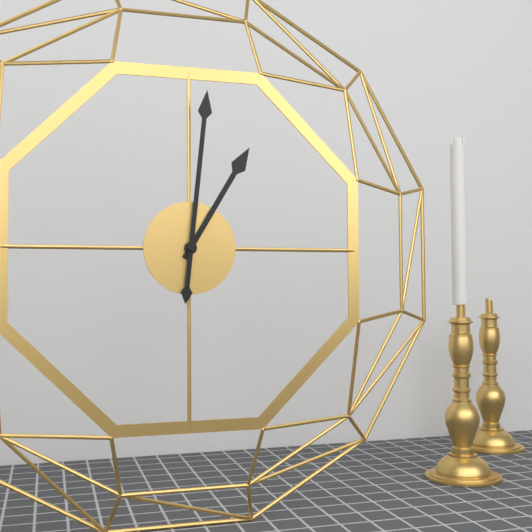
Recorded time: 1.01
